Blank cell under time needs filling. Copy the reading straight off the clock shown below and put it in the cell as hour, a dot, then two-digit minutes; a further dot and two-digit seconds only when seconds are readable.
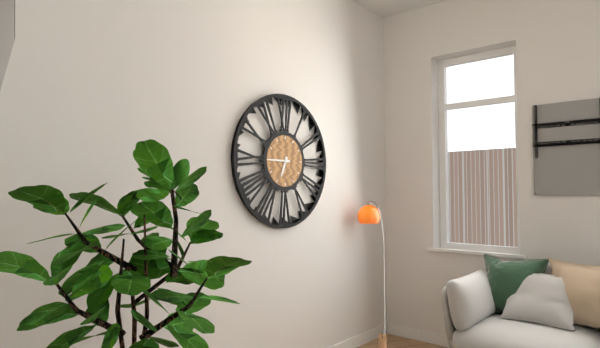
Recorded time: 6.45
